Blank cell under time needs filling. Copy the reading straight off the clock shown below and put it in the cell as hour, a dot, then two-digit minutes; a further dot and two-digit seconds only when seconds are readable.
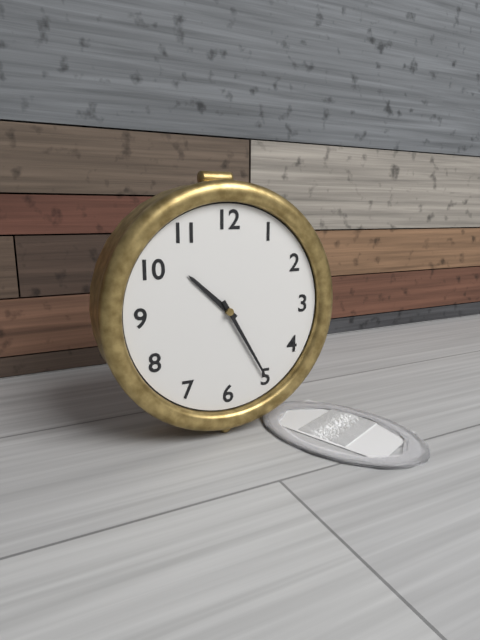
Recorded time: 10.25
